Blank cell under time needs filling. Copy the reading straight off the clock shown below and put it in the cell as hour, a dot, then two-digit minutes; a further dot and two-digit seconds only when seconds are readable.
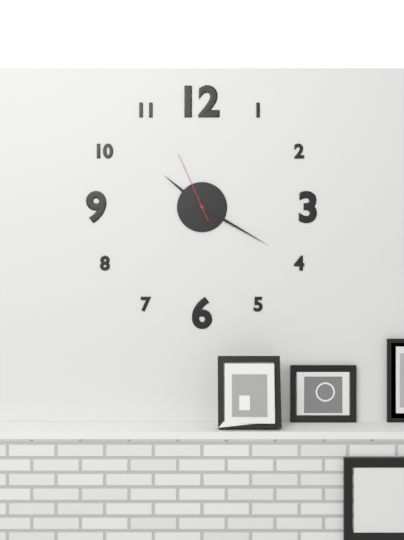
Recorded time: 10.20.56
